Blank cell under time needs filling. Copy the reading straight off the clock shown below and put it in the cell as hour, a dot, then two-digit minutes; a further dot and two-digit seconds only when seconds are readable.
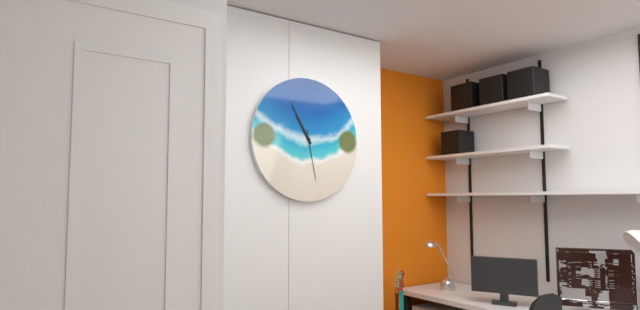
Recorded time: 10.55.28
